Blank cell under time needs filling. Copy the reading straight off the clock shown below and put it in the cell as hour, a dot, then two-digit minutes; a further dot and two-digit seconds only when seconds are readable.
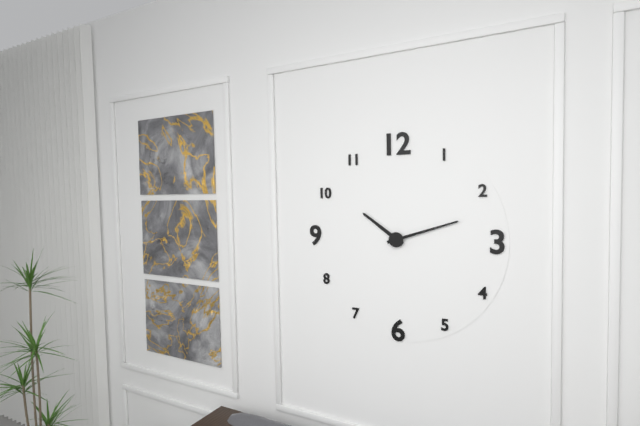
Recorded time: 10.12
